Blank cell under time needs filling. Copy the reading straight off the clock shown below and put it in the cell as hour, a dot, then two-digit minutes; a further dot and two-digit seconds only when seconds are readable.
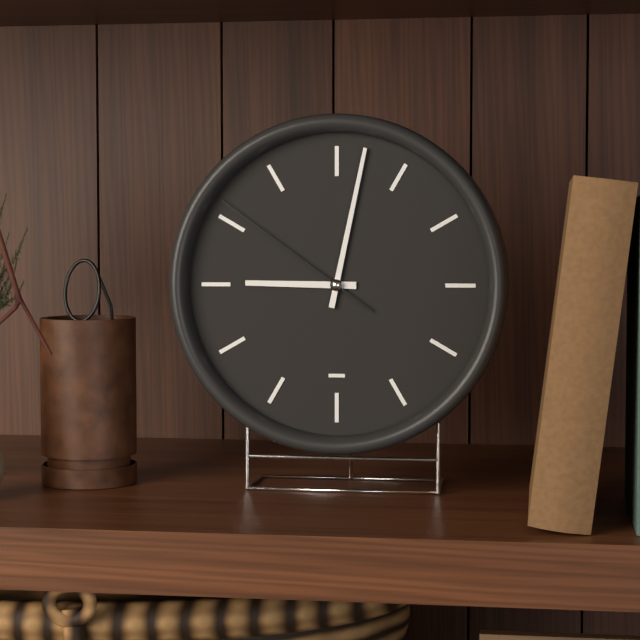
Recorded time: 9.02.51
